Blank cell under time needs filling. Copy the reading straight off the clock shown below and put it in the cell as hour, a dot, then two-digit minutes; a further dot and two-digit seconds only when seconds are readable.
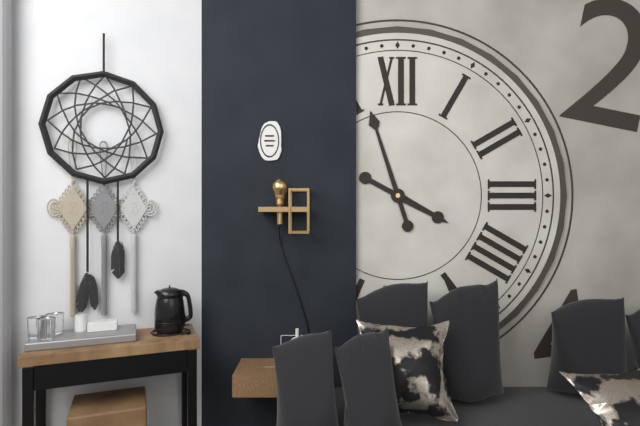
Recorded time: 3.57
